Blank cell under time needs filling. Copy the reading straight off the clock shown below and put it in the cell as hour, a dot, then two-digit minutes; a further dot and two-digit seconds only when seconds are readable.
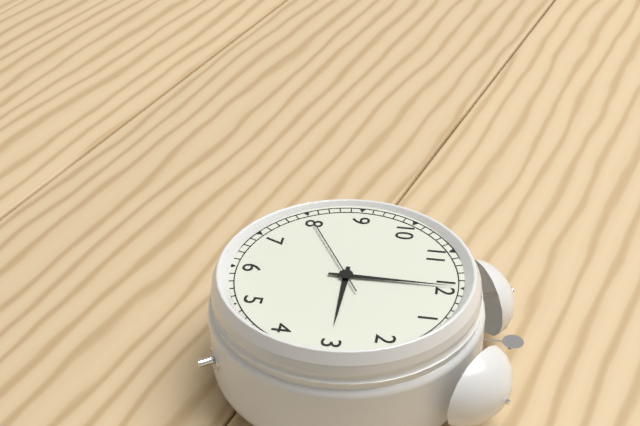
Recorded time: 3.00.40
